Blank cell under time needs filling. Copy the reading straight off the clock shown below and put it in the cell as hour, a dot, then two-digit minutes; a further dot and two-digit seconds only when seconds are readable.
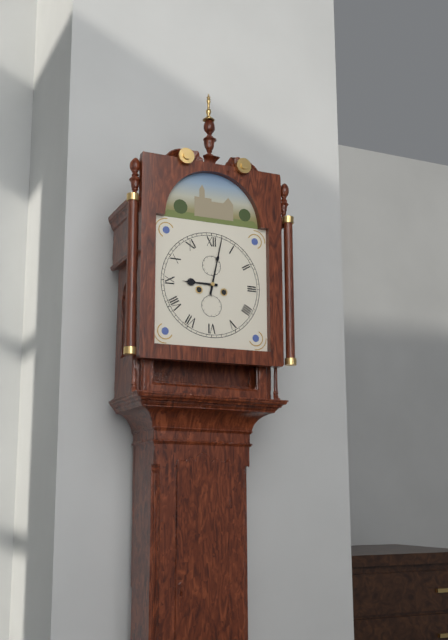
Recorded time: 9.02
